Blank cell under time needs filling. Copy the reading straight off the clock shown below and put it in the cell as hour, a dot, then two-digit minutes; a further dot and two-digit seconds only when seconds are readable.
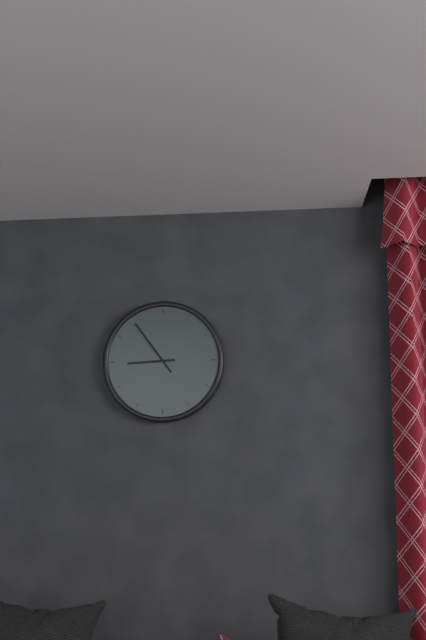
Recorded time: 8.54
